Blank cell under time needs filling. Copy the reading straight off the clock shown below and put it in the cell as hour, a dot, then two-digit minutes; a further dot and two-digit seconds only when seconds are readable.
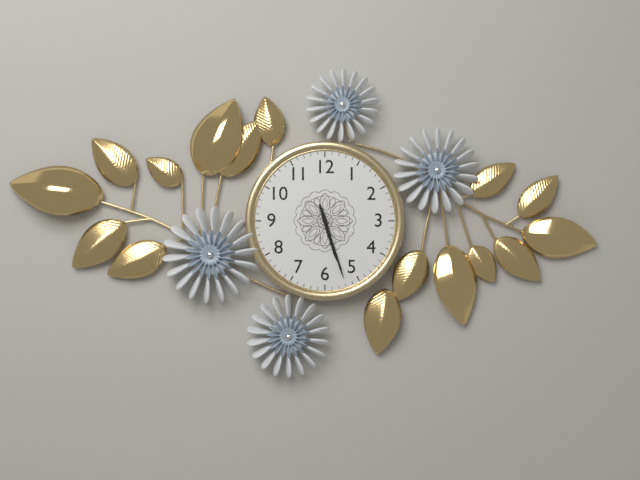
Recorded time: 5.27
